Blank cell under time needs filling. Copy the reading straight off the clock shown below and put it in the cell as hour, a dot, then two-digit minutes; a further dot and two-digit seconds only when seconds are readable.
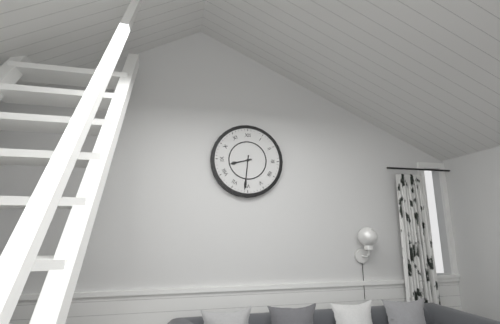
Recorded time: 8.31
